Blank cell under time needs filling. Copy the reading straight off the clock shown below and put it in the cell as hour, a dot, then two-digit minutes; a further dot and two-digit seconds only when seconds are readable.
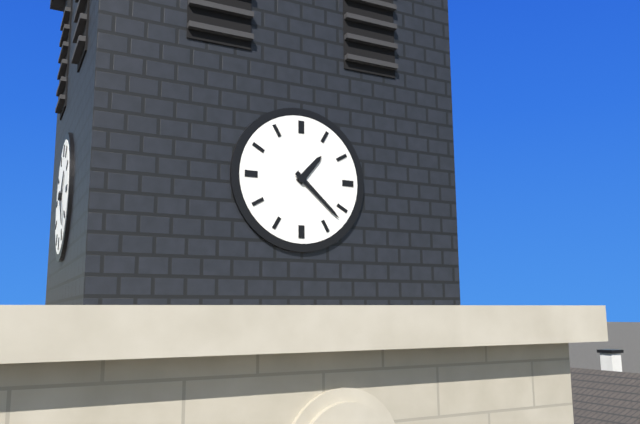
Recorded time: 1.22
